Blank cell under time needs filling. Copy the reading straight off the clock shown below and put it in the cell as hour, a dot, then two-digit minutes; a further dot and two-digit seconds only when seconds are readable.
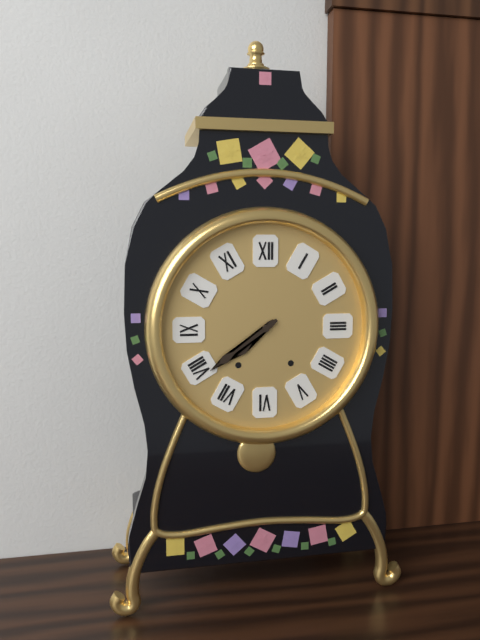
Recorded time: 7.39
